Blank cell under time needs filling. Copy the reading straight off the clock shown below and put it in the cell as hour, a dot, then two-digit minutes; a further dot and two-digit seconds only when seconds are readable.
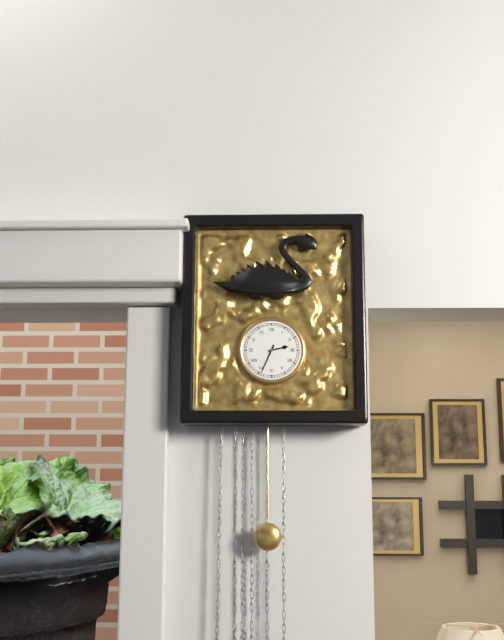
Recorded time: 2.34
